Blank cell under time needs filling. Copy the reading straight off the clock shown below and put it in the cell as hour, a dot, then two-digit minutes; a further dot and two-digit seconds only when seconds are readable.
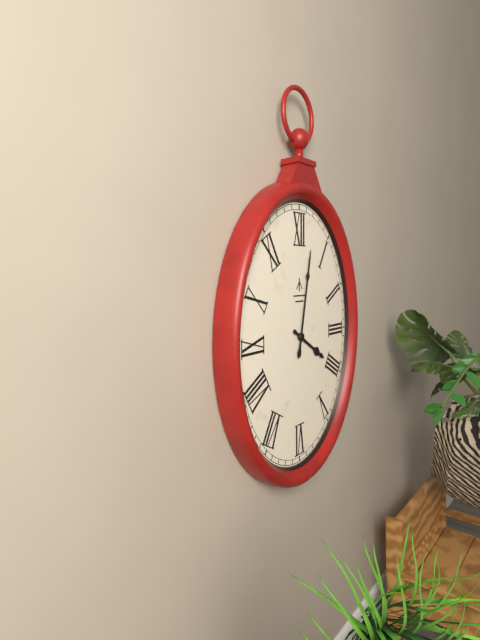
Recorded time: 4.02
